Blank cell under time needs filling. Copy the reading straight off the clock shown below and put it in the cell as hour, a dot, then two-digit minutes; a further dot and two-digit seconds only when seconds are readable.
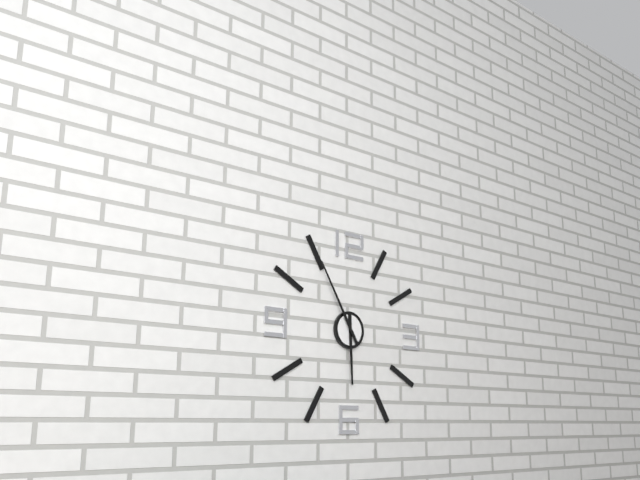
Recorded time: 5.55
